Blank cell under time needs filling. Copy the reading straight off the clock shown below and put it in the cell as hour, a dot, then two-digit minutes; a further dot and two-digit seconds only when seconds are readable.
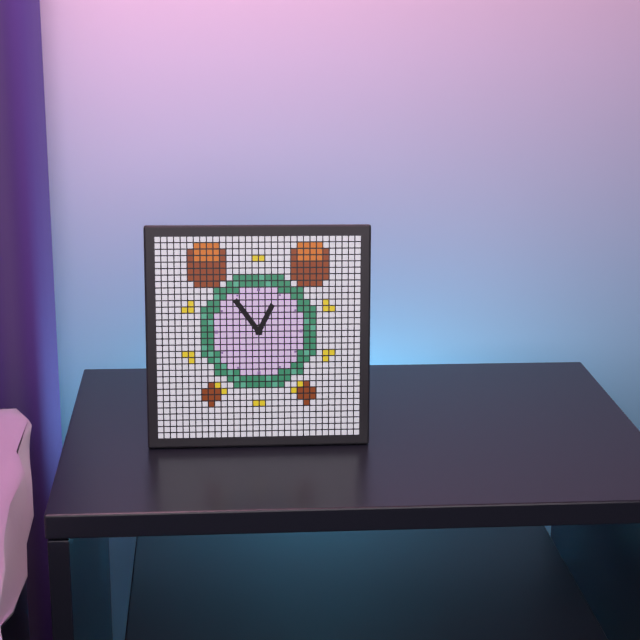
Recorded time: 12.54
